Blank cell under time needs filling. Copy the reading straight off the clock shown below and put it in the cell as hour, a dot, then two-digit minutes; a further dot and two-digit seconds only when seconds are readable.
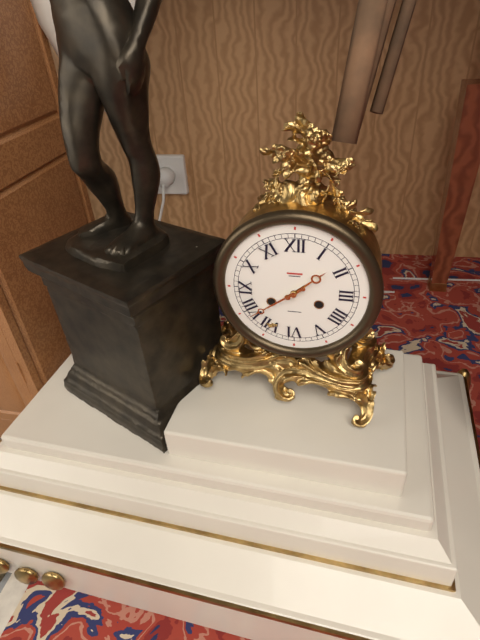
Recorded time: 1.39
